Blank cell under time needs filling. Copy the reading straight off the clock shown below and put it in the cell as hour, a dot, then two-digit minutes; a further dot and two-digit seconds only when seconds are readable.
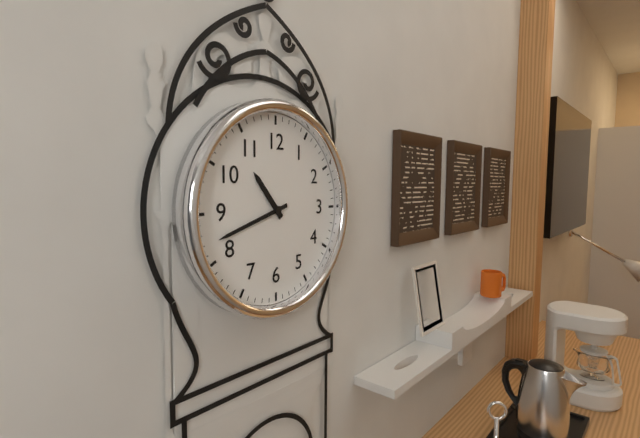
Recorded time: 10.42
